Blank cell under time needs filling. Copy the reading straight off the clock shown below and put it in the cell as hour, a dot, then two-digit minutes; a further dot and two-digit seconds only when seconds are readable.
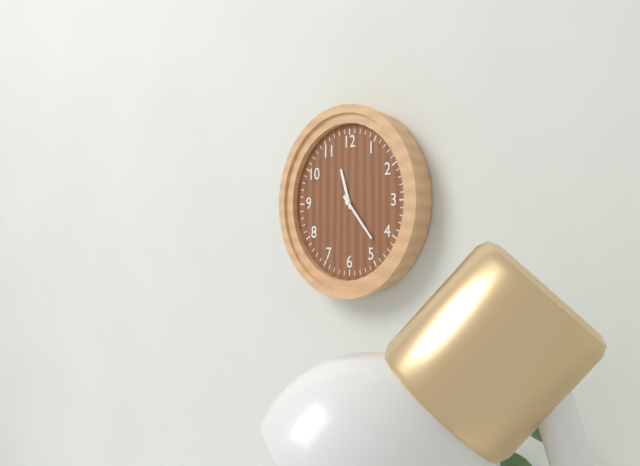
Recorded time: 11.23
